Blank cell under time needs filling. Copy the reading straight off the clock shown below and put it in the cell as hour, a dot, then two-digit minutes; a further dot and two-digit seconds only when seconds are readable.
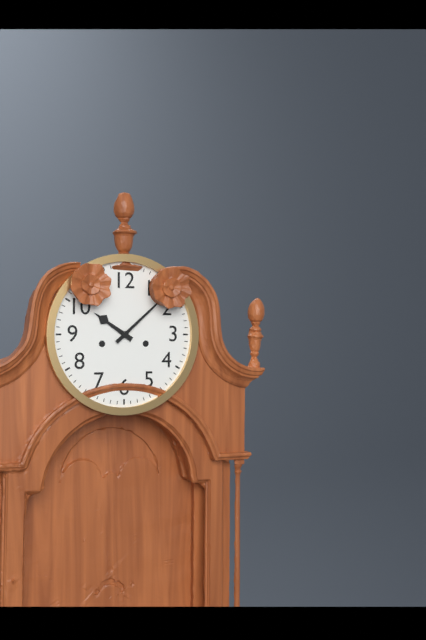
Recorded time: 10.08
